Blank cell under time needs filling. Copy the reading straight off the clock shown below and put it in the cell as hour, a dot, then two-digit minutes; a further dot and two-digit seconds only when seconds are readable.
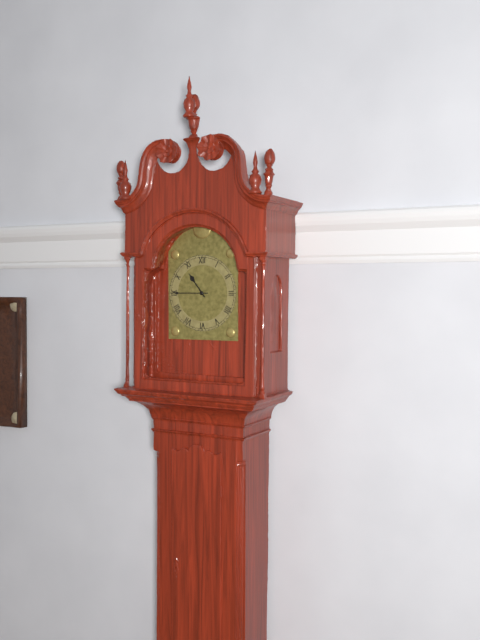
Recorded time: 10.45
